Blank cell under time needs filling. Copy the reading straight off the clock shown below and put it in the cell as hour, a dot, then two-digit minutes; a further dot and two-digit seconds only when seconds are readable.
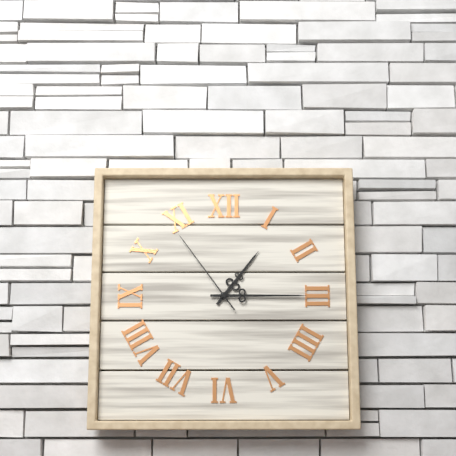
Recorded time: 1.15.54
